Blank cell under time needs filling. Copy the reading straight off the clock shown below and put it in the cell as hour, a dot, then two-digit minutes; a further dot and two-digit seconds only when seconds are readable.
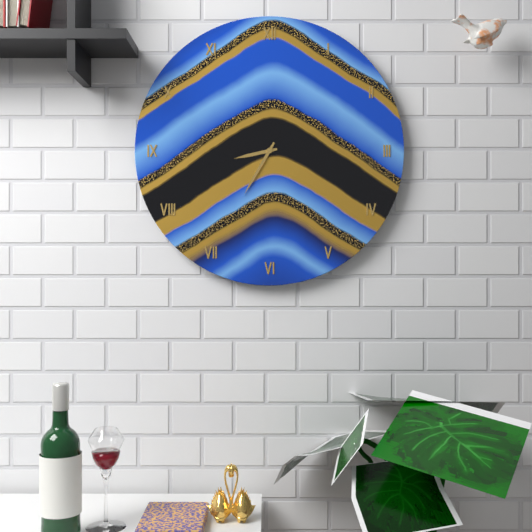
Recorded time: 8.35
